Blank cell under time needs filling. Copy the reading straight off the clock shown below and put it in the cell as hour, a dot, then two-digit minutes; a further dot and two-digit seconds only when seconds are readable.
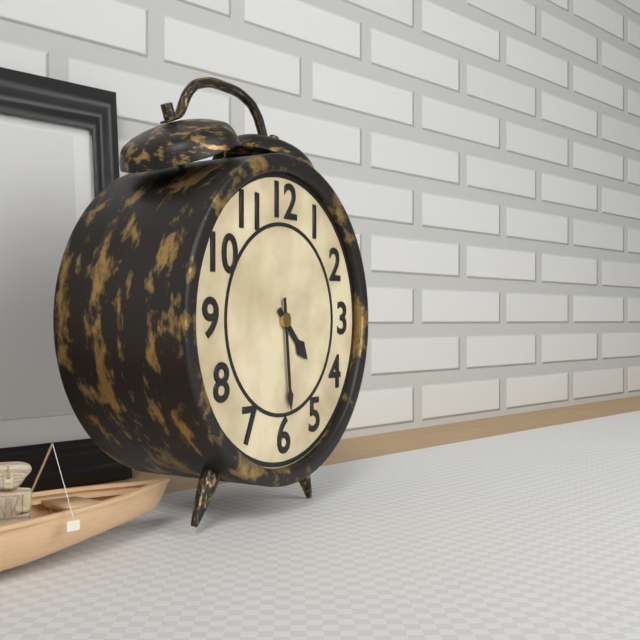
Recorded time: 4.29
